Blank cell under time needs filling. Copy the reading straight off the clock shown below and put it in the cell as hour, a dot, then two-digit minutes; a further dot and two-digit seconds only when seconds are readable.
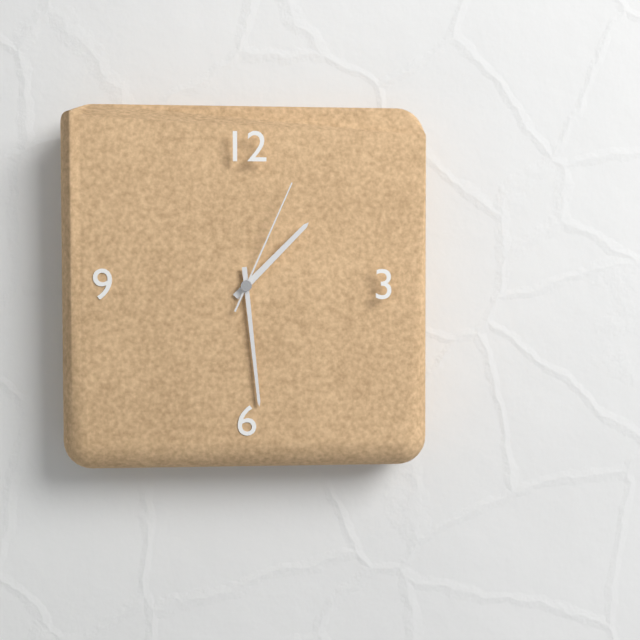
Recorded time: 1.29.04
